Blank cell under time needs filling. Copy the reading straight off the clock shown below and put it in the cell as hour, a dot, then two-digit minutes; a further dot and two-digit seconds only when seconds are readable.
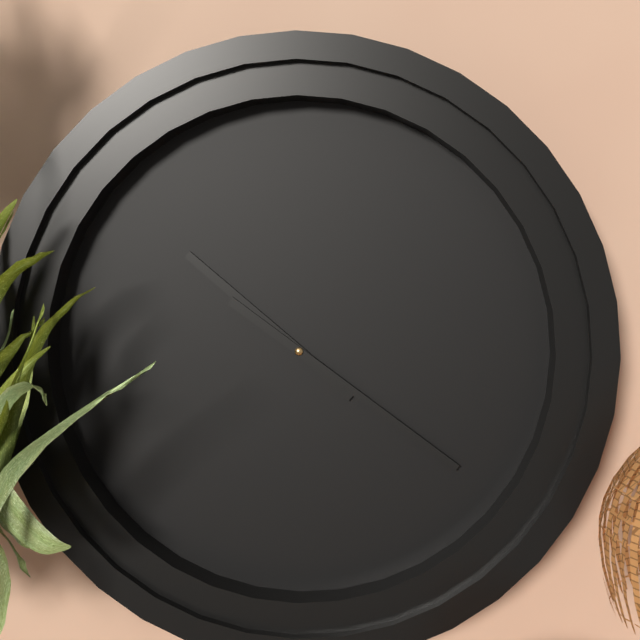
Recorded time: 10.21
